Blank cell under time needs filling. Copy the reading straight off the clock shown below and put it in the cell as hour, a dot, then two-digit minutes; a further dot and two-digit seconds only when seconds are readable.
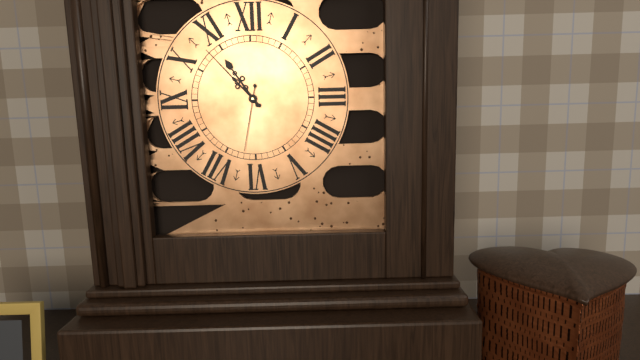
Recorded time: 10.53.32
